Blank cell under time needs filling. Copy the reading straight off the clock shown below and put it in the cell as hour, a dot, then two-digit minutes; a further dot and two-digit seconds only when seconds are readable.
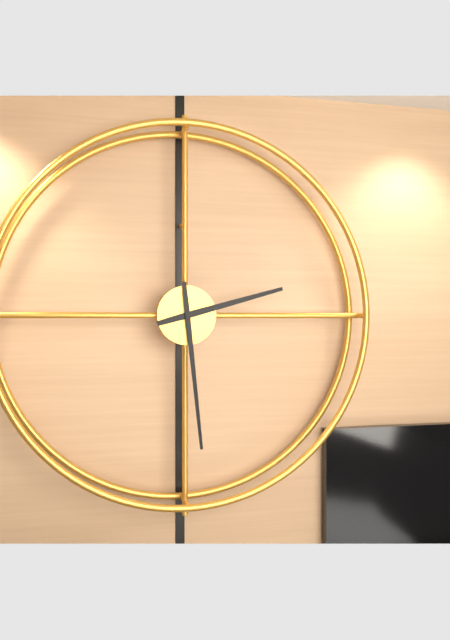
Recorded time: 2.29
